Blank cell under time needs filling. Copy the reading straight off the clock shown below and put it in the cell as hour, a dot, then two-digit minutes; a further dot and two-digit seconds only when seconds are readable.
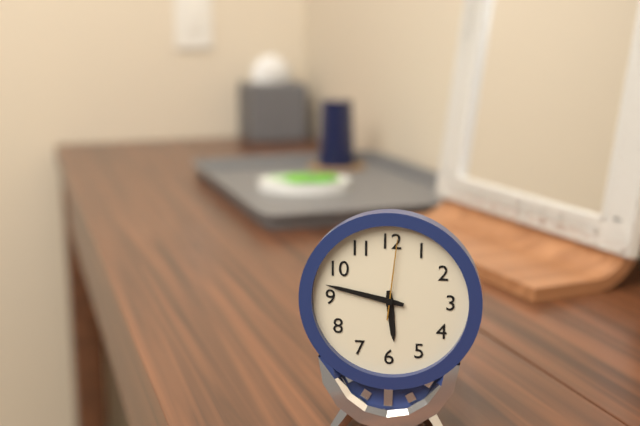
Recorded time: 5.47.01
